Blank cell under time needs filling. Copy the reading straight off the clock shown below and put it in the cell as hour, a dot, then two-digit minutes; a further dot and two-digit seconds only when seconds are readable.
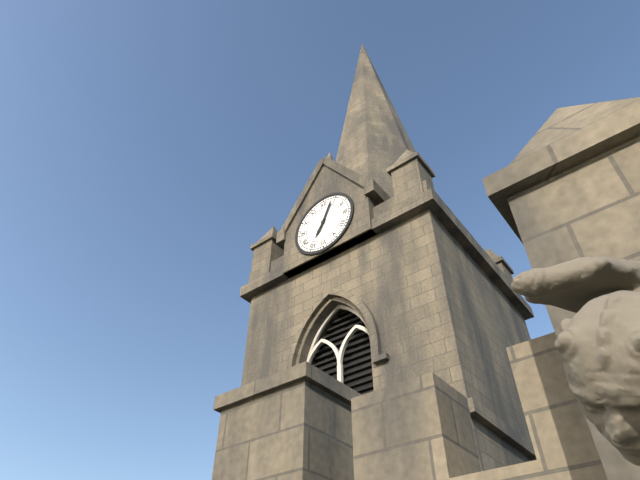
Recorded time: 7.04
